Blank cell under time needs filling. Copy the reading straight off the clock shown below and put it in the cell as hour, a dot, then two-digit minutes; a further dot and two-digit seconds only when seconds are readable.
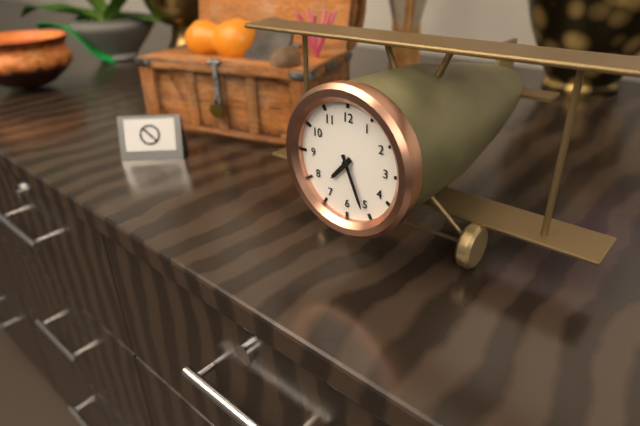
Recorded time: 7.26
